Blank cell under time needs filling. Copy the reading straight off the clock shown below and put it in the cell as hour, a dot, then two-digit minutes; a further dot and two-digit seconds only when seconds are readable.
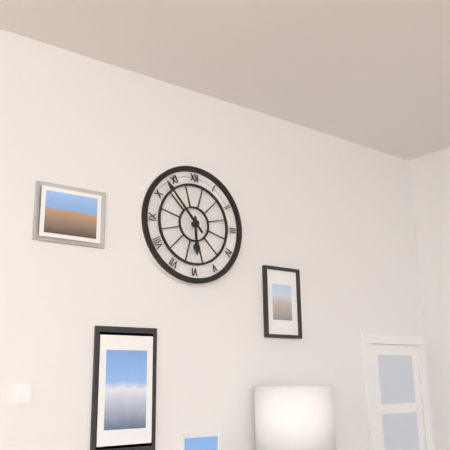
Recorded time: 5.53
